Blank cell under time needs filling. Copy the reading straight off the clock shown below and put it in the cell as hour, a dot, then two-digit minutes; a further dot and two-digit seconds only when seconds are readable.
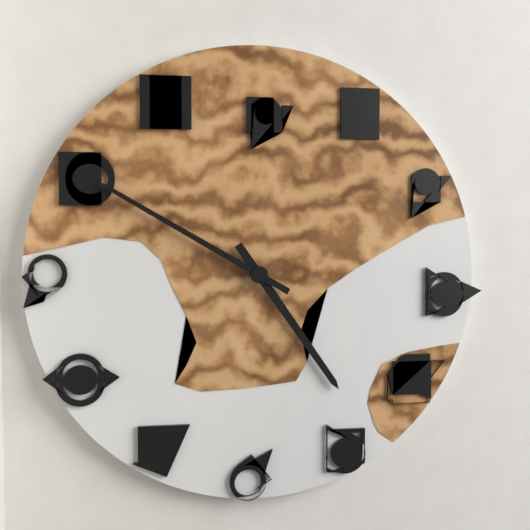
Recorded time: 4.50
